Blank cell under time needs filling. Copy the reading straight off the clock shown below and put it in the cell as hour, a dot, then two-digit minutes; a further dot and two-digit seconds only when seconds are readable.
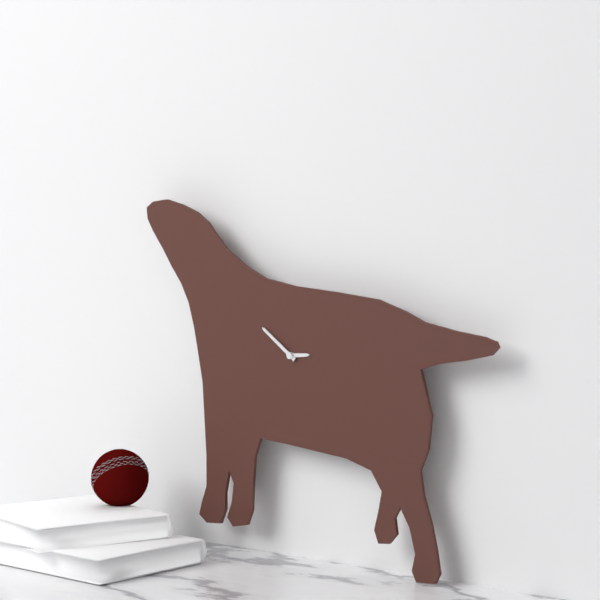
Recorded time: 2.51
